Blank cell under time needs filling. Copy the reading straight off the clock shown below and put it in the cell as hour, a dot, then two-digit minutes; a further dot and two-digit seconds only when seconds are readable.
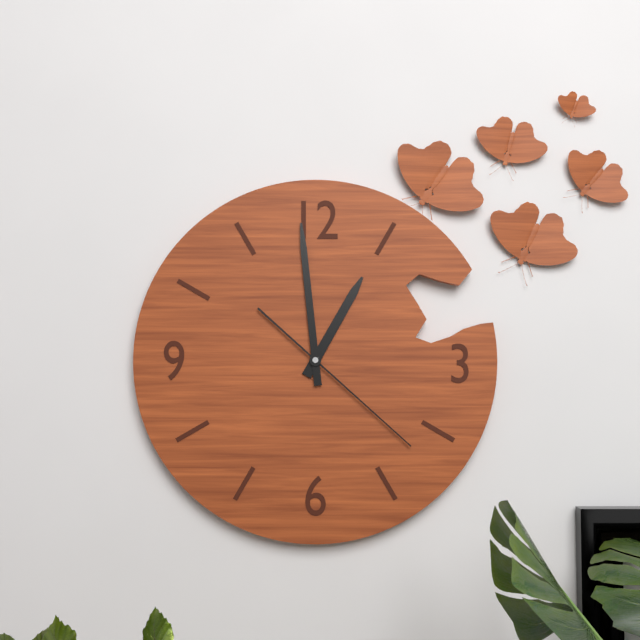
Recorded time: 12.59.22
